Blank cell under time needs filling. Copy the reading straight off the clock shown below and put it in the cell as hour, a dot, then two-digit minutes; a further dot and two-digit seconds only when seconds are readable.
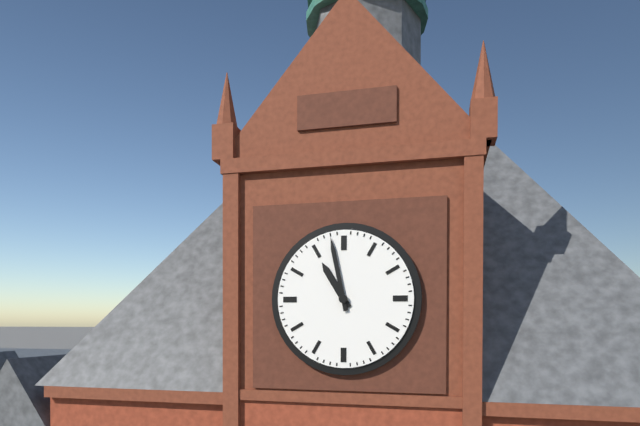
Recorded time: 10.58
